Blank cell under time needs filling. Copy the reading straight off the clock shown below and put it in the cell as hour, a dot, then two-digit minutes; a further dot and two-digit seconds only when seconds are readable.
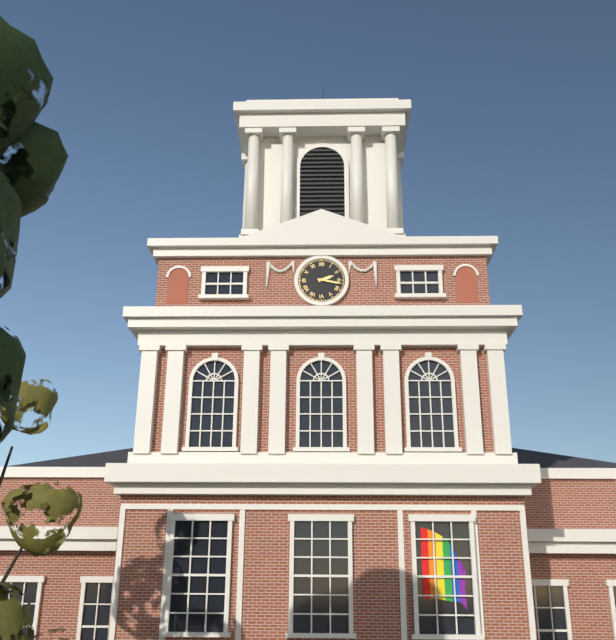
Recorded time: 2.17
